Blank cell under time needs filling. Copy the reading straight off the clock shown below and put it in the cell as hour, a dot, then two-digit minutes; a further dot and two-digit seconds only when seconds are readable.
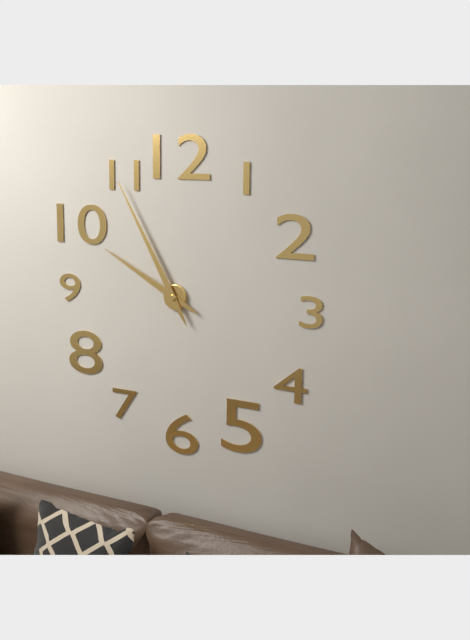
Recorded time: 9.55
